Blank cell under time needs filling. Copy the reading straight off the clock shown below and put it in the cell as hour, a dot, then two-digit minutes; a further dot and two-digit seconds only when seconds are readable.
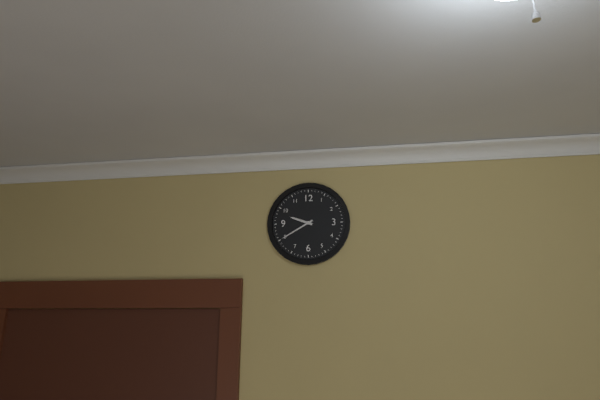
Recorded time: 9.40
